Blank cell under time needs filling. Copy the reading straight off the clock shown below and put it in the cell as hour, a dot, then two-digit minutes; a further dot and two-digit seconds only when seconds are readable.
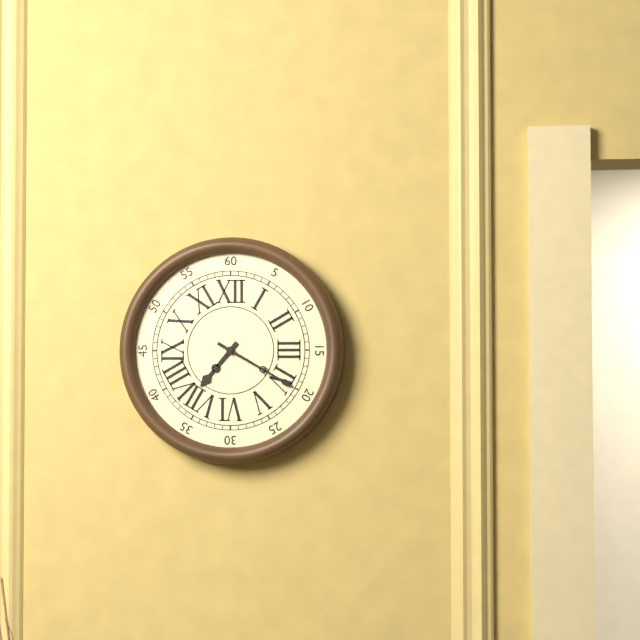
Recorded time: 7.20
